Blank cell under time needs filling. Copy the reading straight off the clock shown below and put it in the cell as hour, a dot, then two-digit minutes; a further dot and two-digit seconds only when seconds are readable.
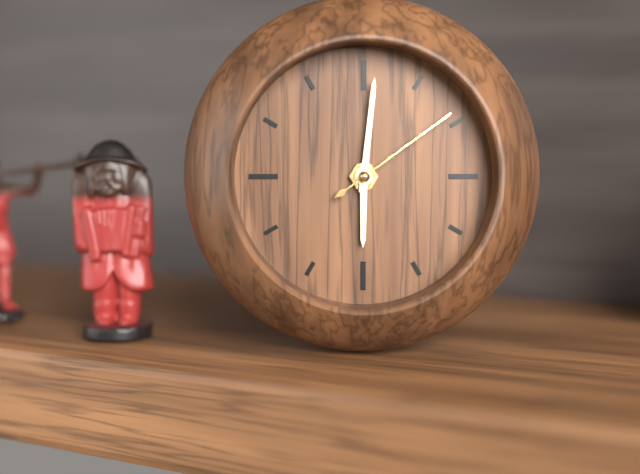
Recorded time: 6.01.09
